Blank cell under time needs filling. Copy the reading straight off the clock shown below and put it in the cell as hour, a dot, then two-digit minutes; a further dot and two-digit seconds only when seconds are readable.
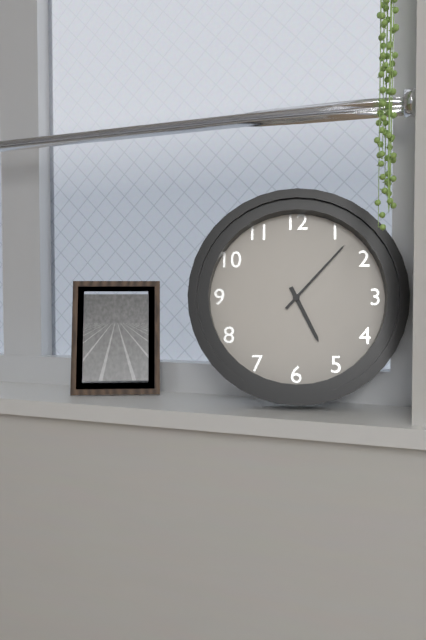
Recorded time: 5.07
